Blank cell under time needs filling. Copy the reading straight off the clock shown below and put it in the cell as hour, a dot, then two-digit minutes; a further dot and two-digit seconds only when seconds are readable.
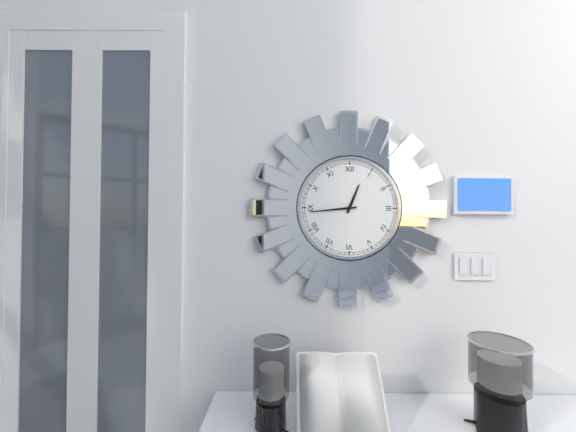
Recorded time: 12.44
